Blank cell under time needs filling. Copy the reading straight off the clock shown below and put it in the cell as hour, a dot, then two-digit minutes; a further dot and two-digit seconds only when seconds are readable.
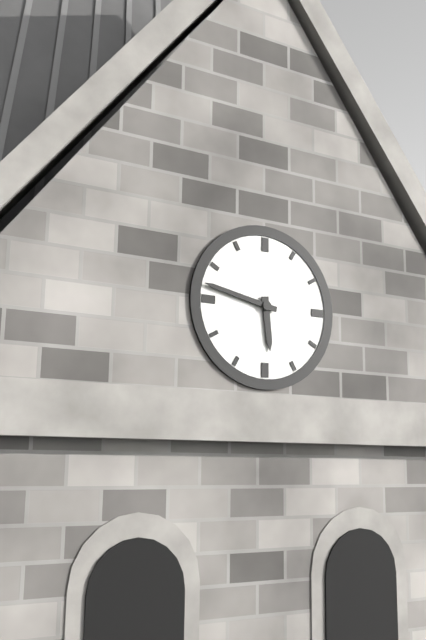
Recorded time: 5.47
